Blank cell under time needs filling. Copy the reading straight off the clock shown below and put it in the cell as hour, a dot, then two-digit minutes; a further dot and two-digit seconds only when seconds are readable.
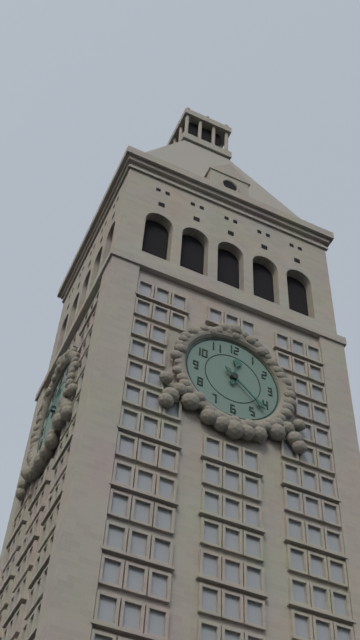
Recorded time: 12.22
